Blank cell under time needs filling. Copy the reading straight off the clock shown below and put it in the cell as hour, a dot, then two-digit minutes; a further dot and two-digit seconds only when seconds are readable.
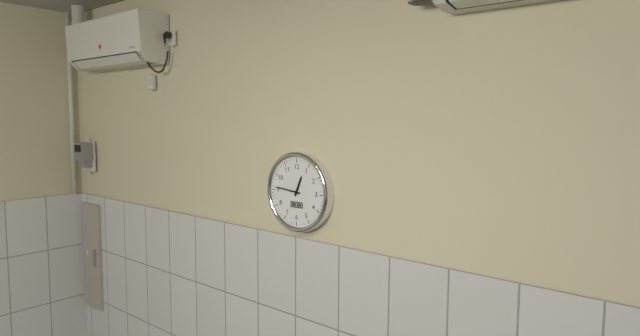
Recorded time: 12.46
